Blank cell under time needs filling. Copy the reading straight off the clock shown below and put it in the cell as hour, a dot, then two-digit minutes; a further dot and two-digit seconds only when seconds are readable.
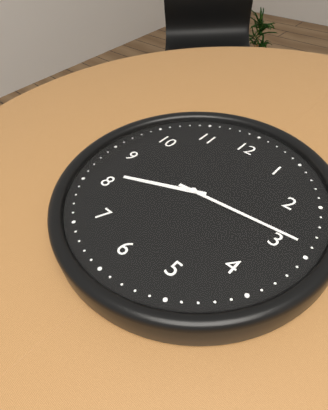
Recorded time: 8.14
